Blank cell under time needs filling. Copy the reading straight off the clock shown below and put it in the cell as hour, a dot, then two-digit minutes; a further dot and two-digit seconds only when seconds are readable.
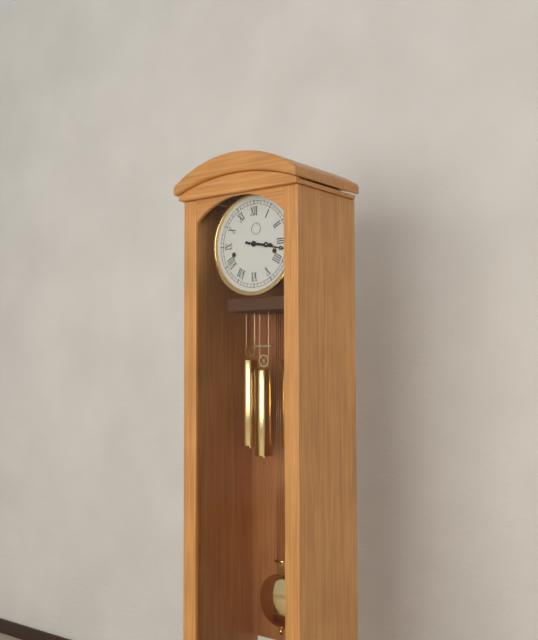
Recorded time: 3.17
